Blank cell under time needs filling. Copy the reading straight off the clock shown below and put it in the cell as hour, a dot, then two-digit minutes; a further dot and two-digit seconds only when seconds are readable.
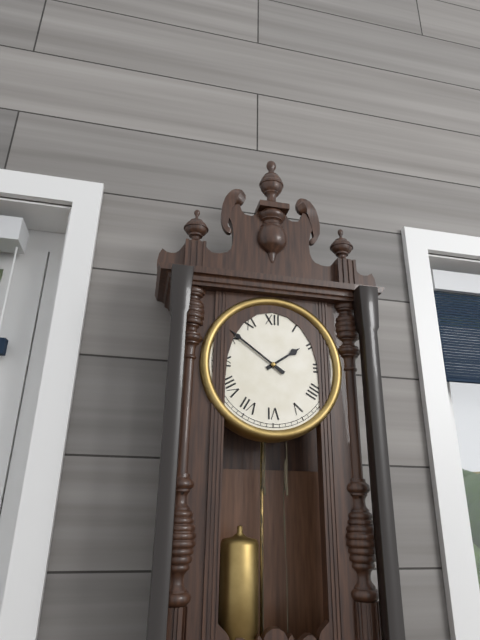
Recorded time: 1.51
